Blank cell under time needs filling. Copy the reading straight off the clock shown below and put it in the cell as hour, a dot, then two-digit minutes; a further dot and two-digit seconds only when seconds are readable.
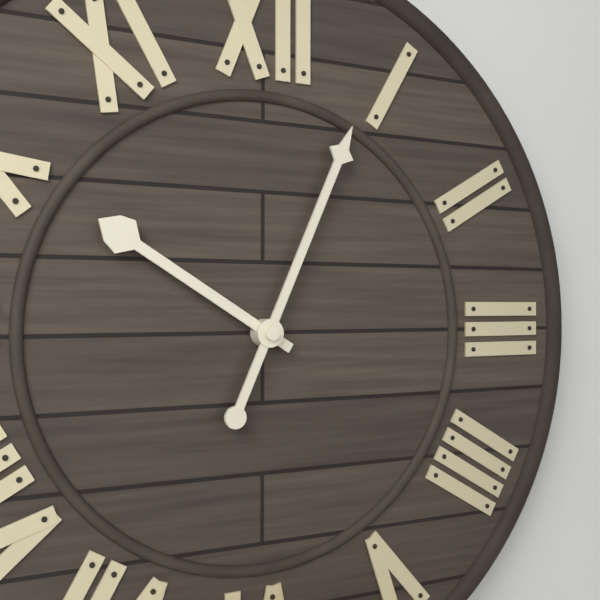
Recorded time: 10.04
